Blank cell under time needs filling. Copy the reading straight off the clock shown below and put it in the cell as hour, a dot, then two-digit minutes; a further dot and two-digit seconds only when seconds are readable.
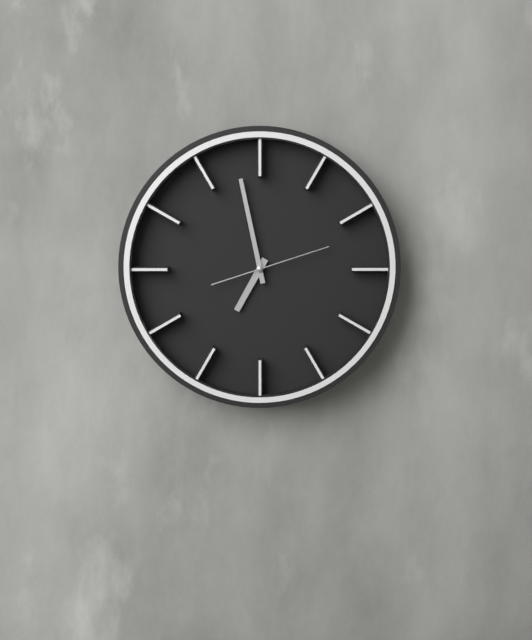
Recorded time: 6.58.12
